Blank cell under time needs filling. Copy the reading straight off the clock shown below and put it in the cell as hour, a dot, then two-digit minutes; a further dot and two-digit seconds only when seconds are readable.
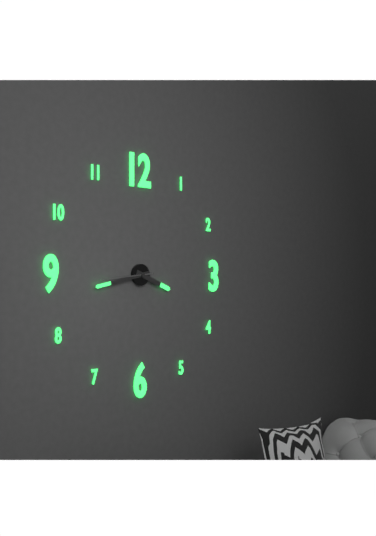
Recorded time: 3.43
